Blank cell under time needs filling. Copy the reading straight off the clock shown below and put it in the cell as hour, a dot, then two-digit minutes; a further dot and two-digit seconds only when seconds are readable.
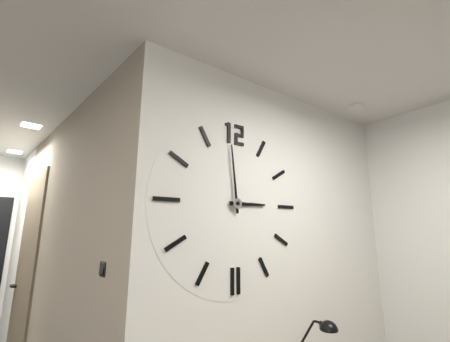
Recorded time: 2.59
